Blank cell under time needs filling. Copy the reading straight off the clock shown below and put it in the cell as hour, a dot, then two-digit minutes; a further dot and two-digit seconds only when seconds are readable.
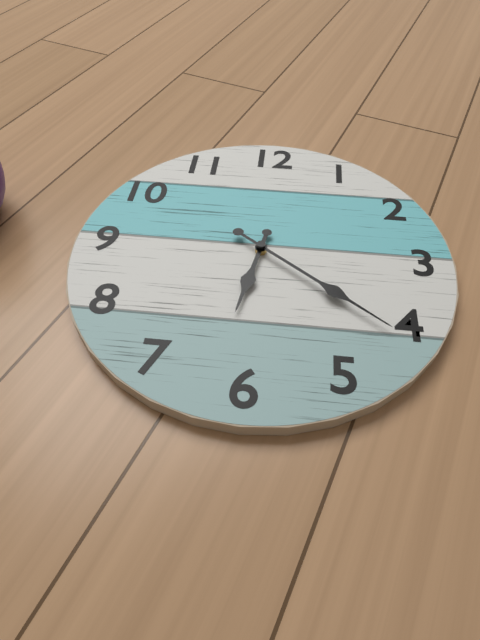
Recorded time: 6.21
